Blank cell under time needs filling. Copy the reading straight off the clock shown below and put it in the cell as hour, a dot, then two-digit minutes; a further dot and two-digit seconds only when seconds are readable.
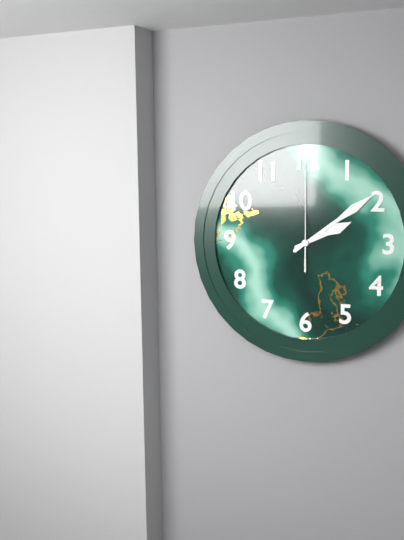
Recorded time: 2.09.00
